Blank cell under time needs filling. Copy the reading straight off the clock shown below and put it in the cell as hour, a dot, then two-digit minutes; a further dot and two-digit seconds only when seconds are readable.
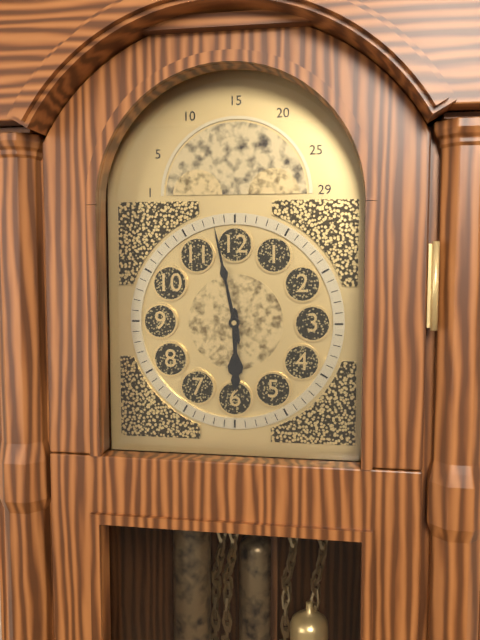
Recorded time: 5.58
